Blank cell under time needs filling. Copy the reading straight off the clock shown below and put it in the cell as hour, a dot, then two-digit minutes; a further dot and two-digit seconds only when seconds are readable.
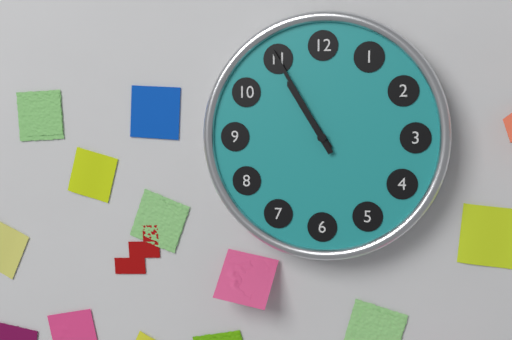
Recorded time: 10.55
